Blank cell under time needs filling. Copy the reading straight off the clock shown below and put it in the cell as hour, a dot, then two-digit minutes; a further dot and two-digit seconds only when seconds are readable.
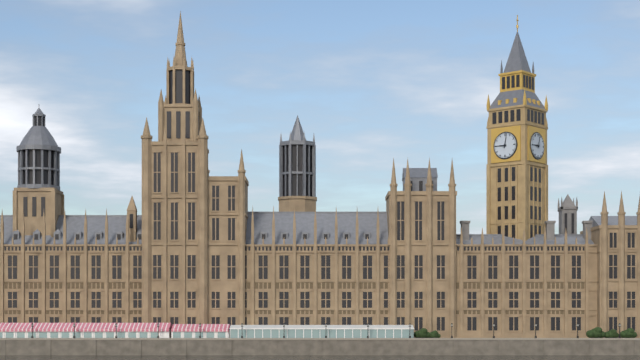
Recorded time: 9.02
